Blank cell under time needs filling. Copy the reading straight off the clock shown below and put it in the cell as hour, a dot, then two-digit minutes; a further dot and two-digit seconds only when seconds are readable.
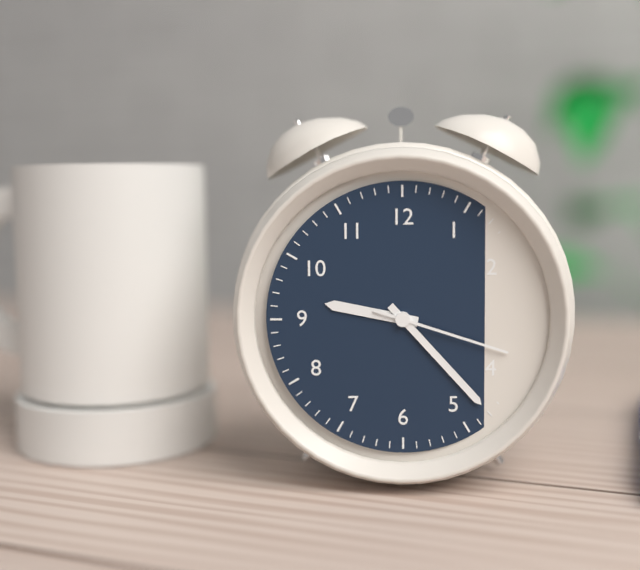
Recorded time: 9.23.18
